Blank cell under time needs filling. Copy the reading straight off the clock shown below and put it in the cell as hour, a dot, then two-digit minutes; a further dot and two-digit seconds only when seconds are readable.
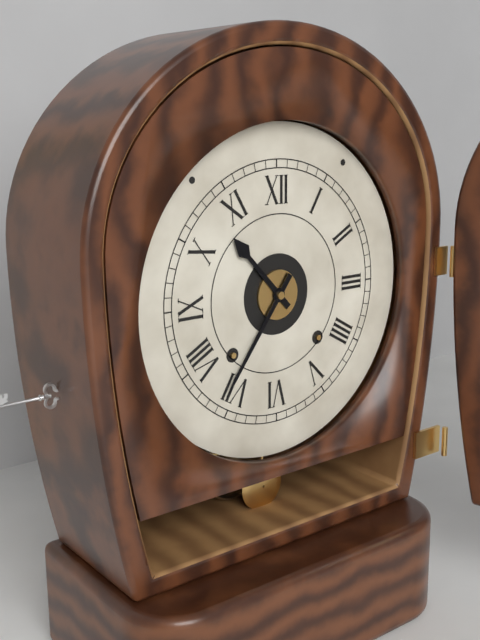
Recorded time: 10.36
